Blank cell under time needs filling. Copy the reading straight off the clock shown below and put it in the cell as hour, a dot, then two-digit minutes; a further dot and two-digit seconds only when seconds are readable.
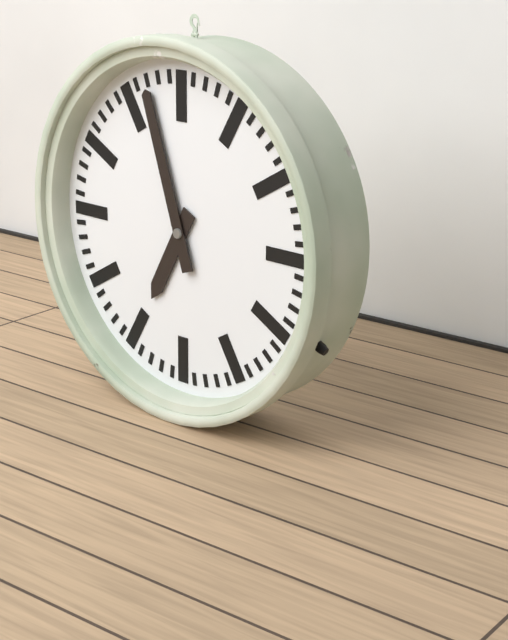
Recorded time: 6.57
